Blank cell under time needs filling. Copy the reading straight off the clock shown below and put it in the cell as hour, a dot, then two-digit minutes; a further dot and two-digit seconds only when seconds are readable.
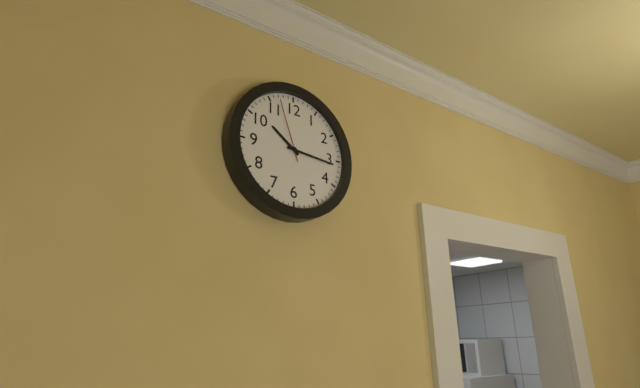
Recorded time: 10.16.57
